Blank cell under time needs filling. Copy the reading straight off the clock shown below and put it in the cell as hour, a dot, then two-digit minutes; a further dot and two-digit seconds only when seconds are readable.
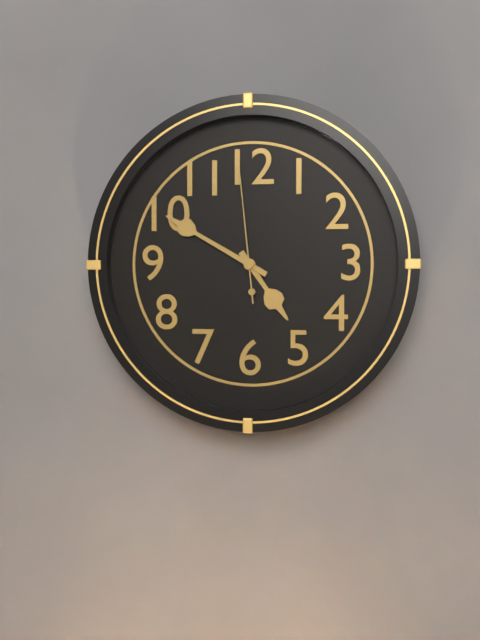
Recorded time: 4.50.59
